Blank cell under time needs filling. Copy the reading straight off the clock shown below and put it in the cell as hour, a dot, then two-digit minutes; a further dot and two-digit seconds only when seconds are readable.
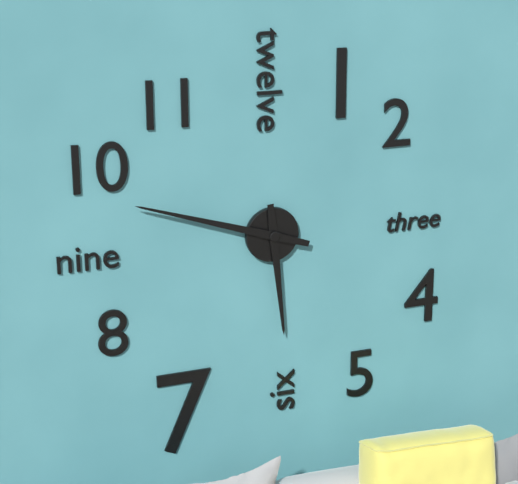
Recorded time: 5.48
